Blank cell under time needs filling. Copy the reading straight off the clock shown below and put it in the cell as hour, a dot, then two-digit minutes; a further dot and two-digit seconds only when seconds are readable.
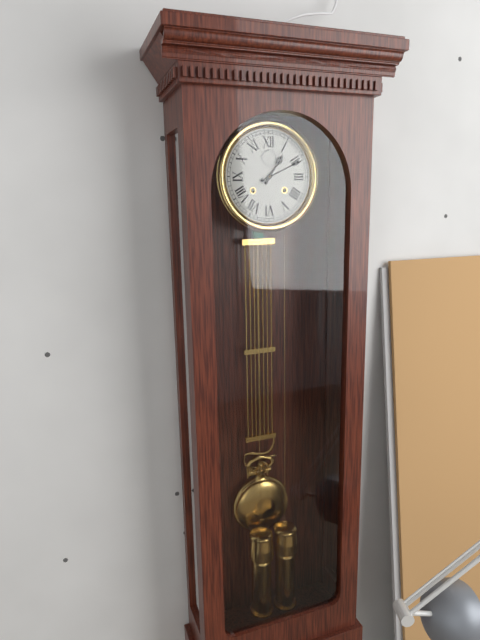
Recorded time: 1.11
